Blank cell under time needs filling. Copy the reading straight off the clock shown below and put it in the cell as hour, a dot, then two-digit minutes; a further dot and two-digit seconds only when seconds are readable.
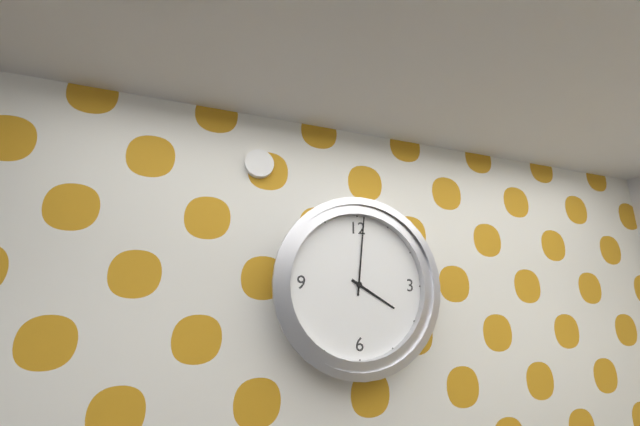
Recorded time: 4.01
